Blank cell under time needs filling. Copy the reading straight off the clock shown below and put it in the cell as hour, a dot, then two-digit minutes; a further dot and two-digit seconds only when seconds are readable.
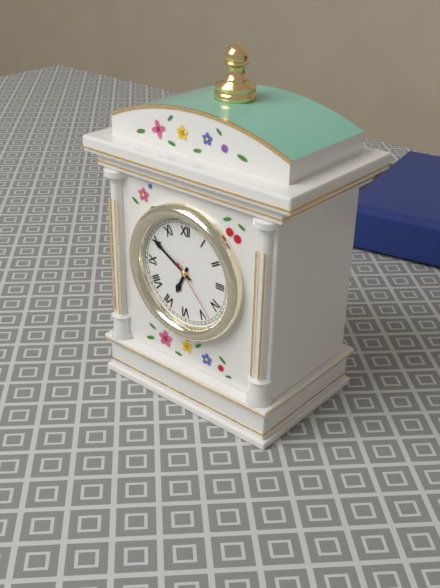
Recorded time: 6.50.23
